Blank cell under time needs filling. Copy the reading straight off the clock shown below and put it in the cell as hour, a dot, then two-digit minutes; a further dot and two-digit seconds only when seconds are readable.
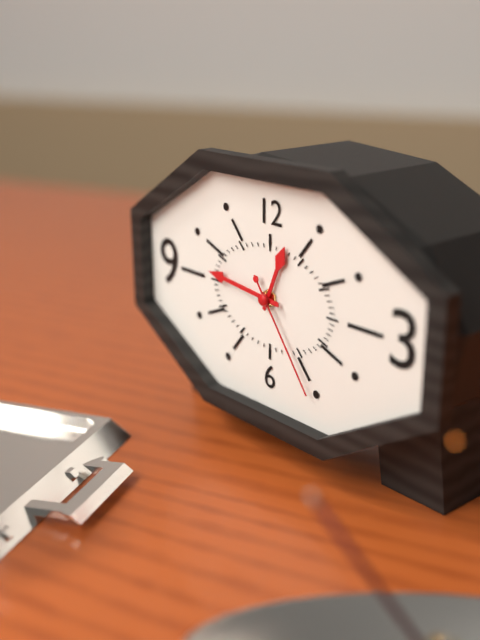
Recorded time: 12.46.24
